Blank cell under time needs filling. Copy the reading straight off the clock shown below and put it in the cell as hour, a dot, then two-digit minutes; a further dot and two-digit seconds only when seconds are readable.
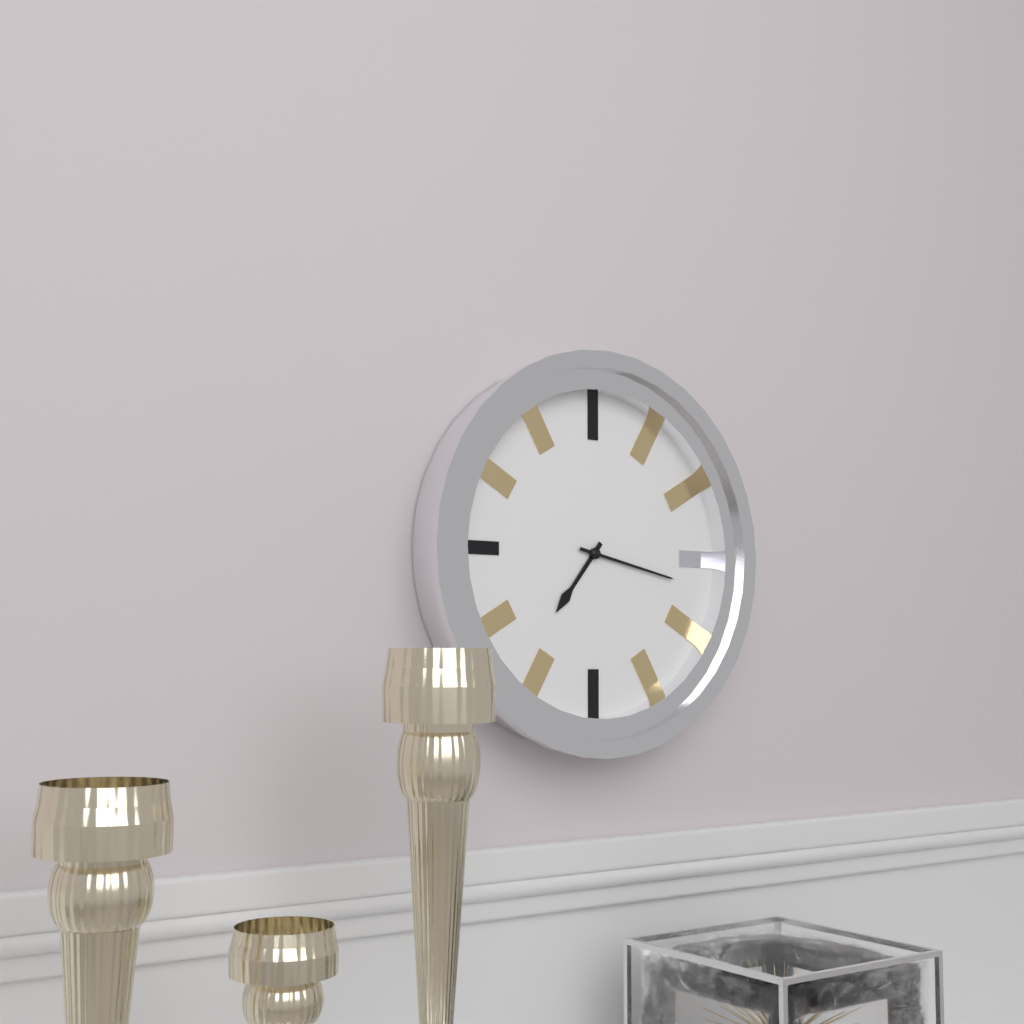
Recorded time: 7.17
